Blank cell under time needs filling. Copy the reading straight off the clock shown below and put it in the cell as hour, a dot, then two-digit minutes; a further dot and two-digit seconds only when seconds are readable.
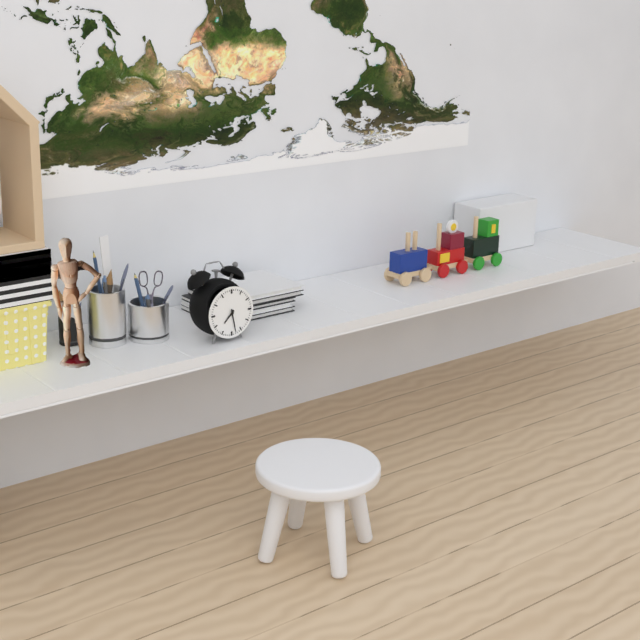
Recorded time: 7.28
